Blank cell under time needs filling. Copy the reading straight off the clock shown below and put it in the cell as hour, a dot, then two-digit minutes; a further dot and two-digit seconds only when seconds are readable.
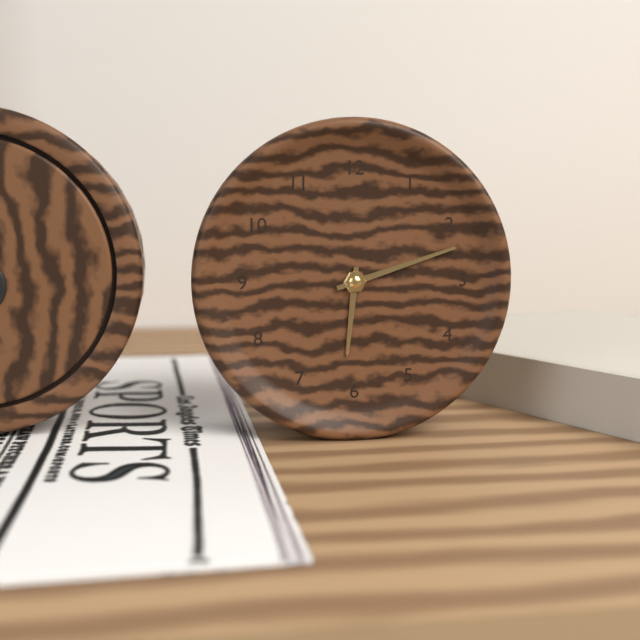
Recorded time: 6.12
